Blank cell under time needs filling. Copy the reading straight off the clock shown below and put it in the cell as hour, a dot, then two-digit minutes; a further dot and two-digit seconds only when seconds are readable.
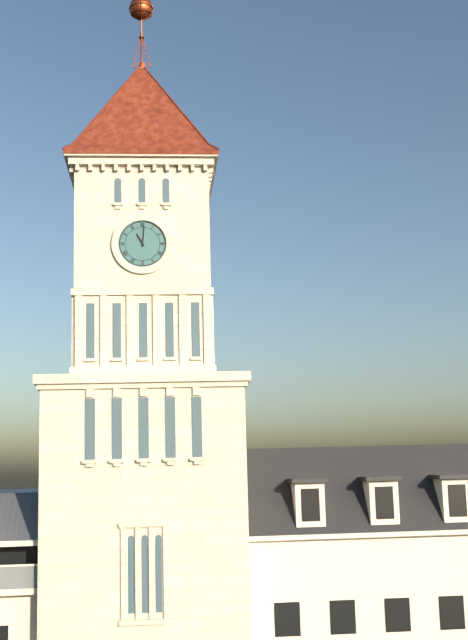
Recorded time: 11.01
